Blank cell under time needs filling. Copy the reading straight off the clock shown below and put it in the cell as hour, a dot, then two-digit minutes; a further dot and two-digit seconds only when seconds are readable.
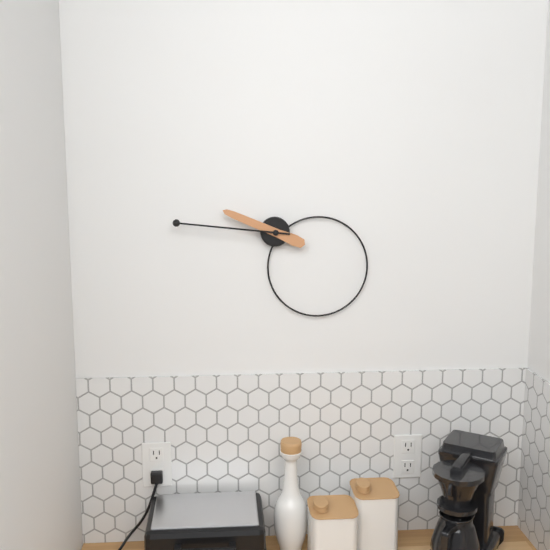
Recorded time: 9.46
